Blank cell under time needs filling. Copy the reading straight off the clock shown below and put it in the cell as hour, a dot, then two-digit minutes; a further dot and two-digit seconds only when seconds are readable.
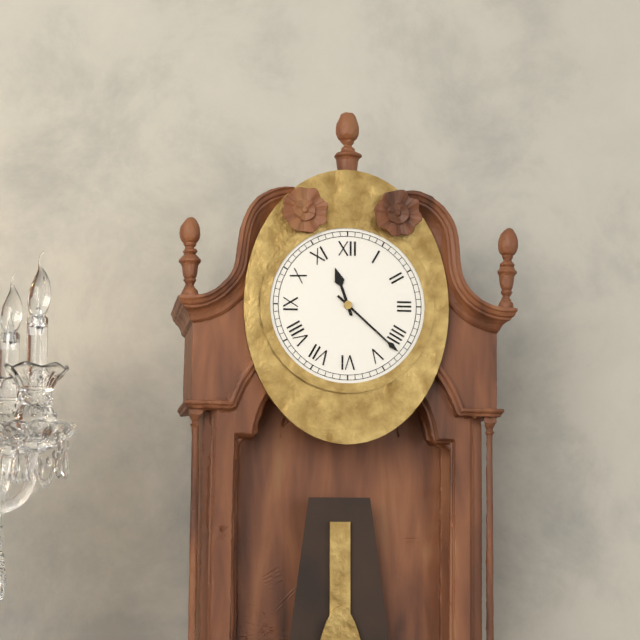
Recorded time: 11.22
